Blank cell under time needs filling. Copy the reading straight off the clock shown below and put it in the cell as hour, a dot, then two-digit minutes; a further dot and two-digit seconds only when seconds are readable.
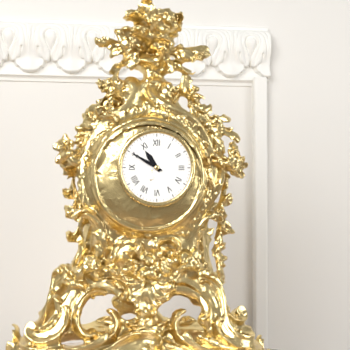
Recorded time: 10.50
